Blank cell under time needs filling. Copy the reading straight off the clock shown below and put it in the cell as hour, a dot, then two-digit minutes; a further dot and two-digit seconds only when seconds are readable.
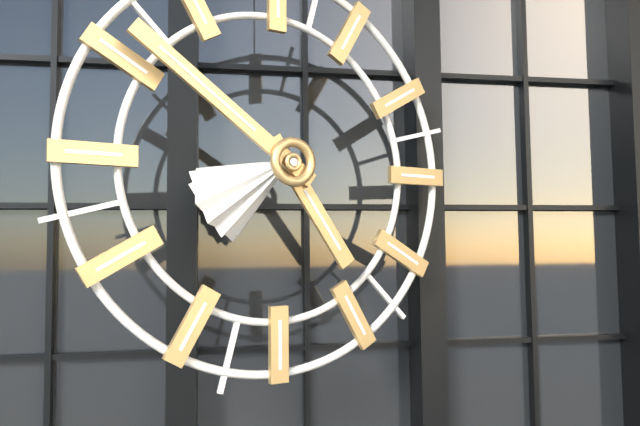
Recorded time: 4.51
